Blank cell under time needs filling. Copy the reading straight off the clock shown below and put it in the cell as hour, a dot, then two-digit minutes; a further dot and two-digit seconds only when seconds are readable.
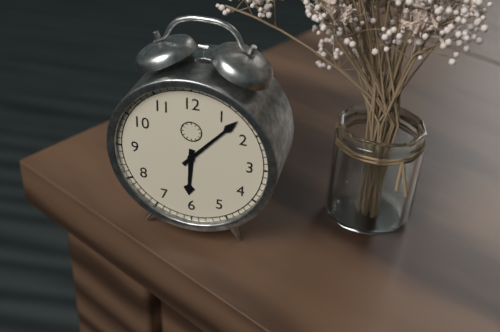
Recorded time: 6.07
